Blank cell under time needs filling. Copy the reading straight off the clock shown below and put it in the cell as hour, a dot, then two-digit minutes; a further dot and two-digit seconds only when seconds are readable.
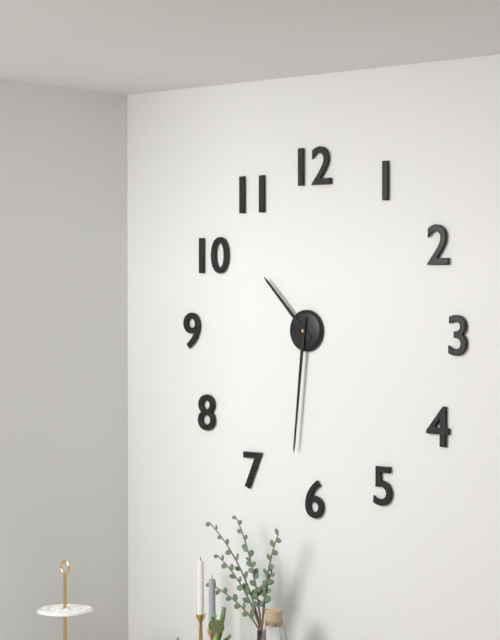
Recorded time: 10.31
